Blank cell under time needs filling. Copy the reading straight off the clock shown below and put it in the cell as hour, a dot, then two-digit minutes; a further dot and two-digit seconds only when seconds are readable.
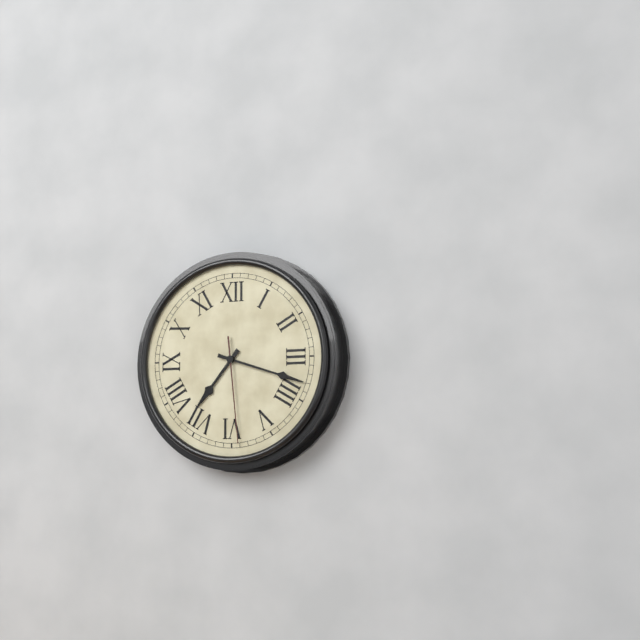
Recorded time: 7.18.29
